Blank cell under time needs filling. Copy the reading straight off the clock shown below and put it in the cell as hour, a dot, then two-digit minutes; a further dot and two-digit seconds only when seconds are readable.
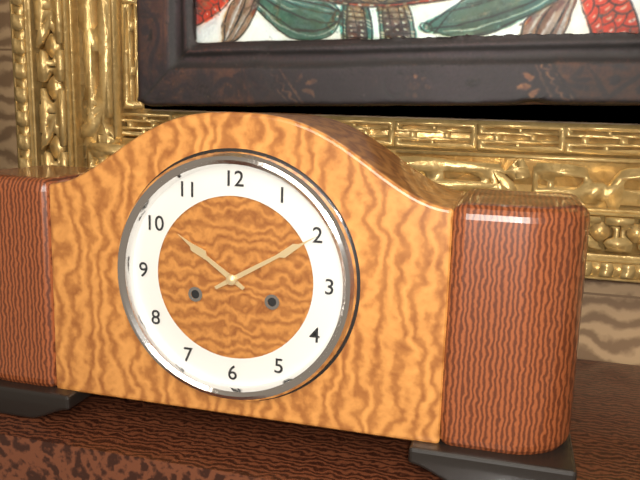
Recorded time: 10.10
